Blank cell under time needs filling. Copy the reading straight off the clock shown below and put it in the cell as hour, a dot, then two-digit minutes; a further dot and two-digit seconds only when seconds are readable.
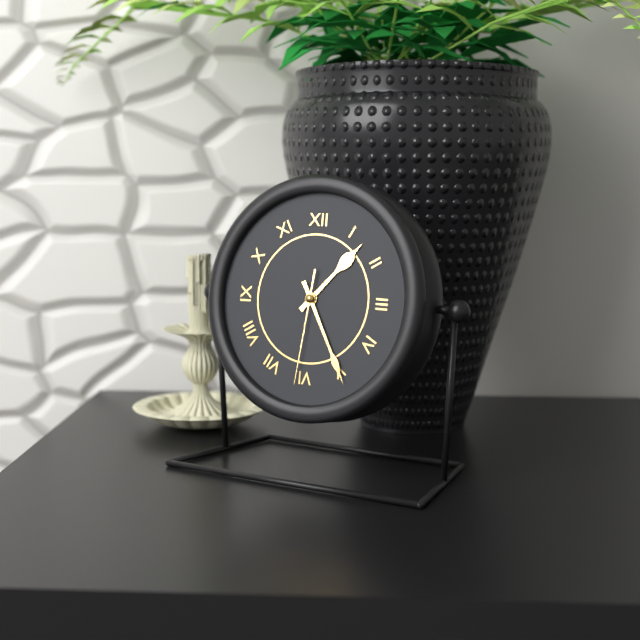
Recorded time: 1.25.31
